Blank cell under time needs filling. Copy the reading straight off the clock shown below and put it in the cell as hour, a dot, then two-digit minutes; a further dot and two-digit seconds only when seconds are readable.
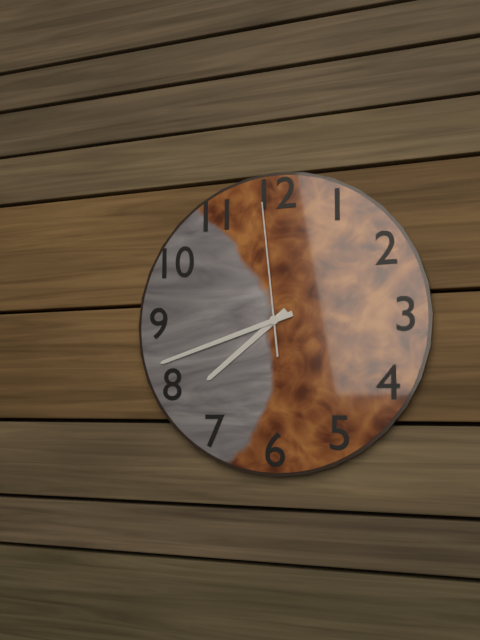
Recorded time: 7.42.59
